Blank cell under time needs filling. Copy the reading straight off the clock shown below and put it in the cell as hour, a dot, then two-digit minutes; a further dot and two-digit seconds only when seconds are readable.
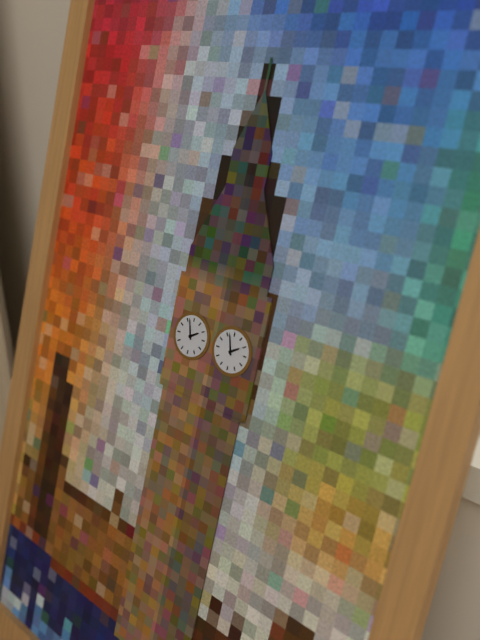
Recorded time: 1.57
